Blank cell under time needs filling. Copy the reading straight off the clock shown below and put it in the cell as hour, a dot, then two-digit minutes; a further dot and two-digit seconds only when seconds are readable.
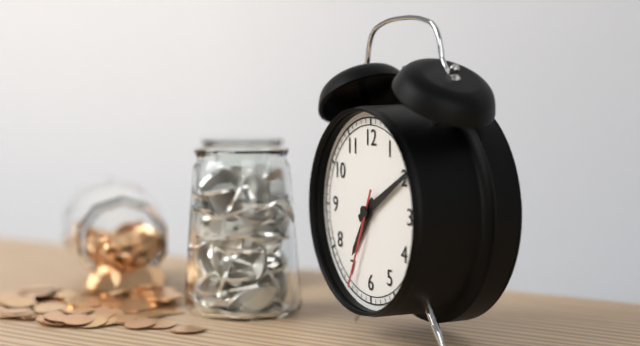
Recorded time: 7.10.34
